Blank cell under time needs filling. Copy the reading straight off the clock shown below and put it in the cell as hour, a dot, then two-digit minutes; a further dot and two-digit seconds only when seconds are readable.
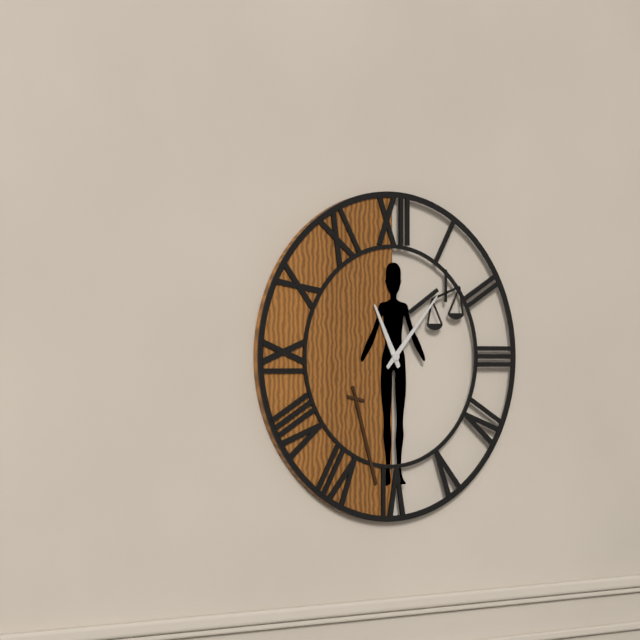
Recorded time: 11.07
